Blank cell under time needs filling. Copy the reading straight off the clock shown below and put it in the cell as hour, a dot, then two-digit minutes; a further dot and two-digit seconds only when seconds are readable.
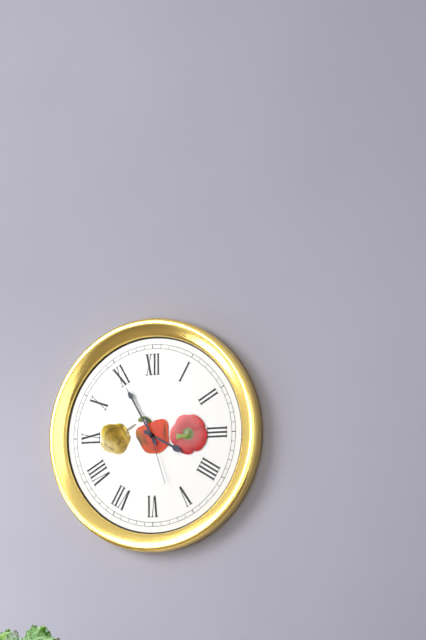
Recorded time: 3.55.27
